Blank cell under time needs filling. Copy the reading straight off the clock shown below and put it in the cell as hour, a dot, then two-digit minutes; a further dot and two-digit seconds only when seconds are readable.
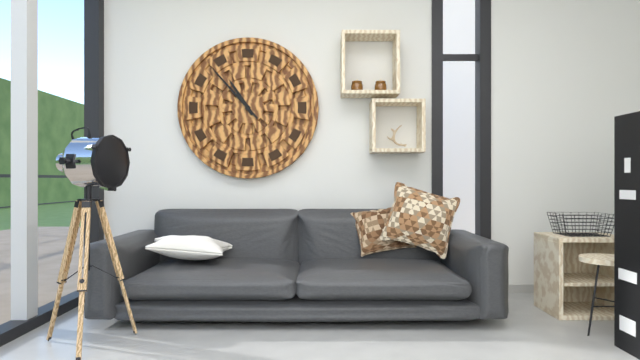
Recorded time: 10.53
